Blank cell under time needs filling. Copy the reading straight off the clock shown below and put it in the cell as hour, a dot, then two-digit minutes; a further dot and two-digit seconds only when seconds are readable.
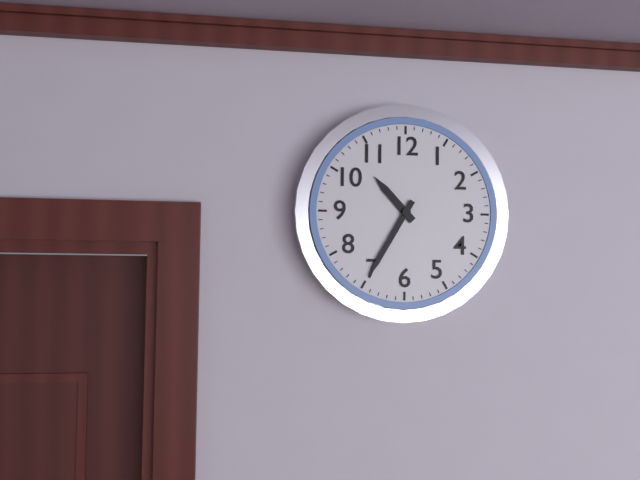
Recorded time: 10.35
